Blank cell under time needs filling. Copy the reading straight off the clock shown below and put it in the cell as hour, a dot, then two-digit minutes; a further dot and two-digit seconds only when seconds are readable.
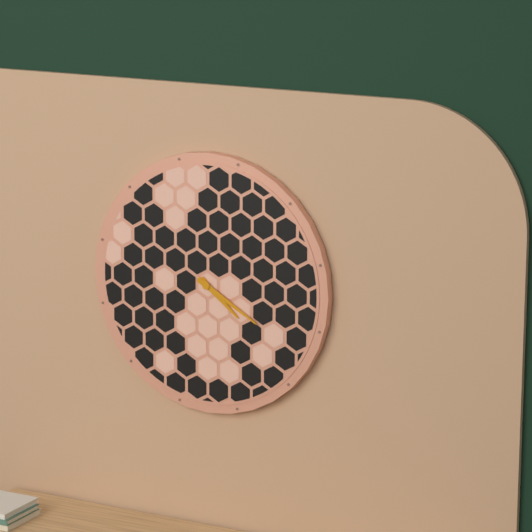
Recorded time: 4.20
